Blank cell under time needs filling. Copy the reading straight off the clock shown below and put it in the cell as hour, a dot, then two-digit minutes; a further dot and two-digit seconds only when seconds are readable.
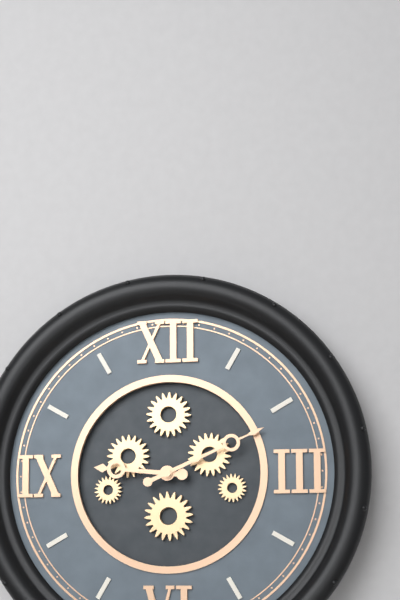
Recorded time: 9.11
